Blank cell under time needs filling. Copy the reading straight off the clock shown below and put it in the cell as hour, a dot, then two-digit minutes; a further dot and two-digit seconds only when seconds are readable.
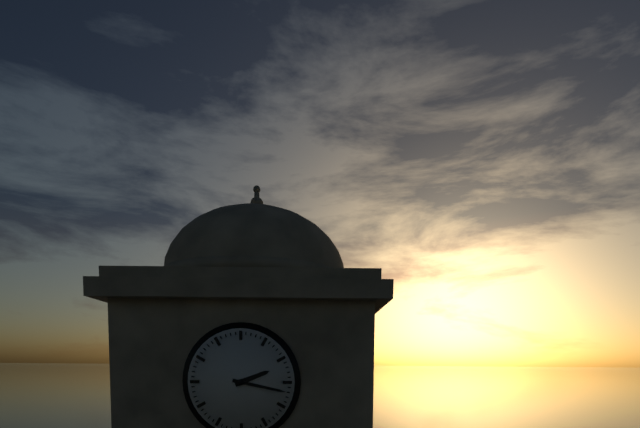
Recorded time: 2.17
